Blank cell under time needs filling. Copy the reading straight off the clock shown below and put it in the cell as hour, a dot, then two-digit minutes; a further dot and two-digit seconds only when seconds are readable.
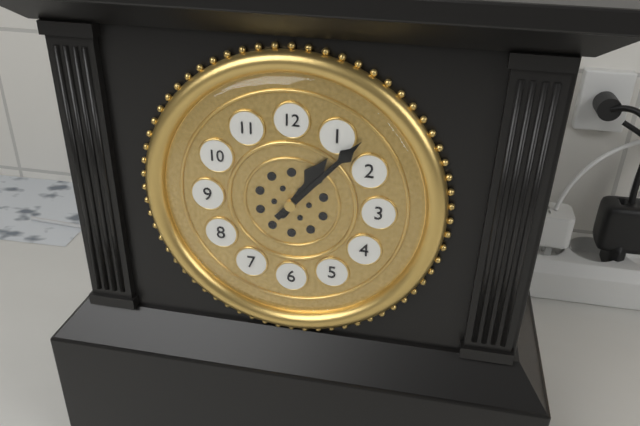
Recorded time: 1.07
